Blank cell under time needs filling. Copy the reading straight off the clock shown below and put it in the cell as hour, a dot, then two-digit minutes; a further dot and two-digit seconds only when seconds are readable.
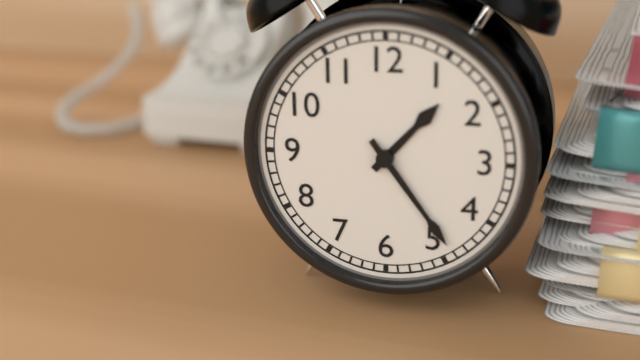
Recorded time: 1.24
